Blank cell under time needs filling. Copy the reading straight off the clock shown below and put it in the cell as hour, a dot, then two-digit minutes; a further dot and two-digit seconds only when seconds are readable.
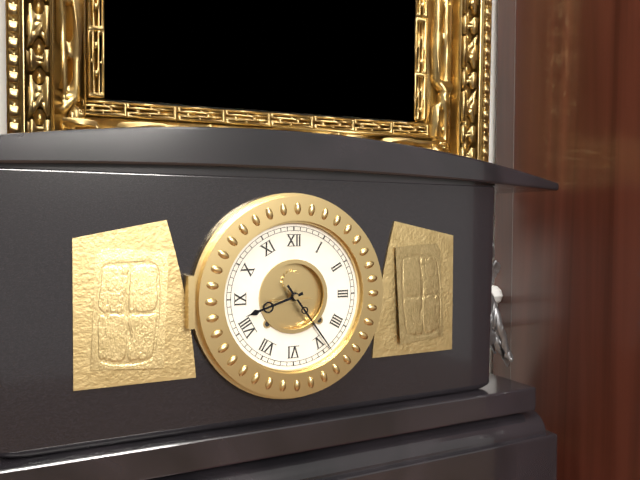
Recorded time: 8.24
